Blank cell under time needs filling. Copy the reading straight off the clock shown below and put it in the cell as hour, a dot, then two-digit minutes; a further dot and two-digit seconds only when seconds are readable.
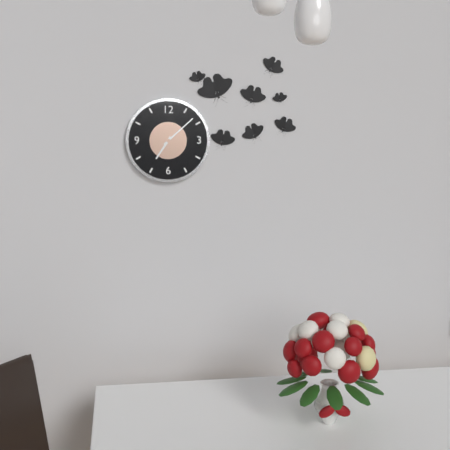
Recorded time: 7.08
